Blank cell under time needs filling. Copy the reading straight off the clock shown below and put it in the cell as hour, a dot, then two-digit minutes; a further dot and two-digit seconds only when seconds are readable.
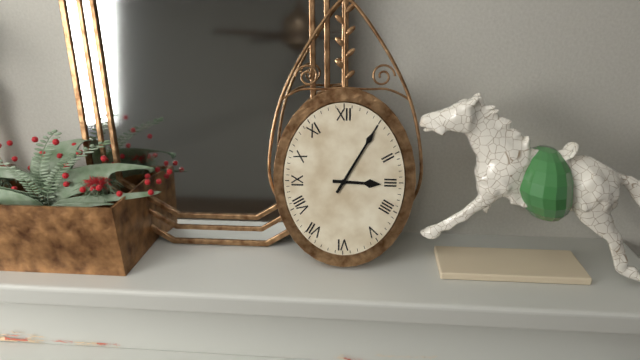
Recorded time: 3.05
